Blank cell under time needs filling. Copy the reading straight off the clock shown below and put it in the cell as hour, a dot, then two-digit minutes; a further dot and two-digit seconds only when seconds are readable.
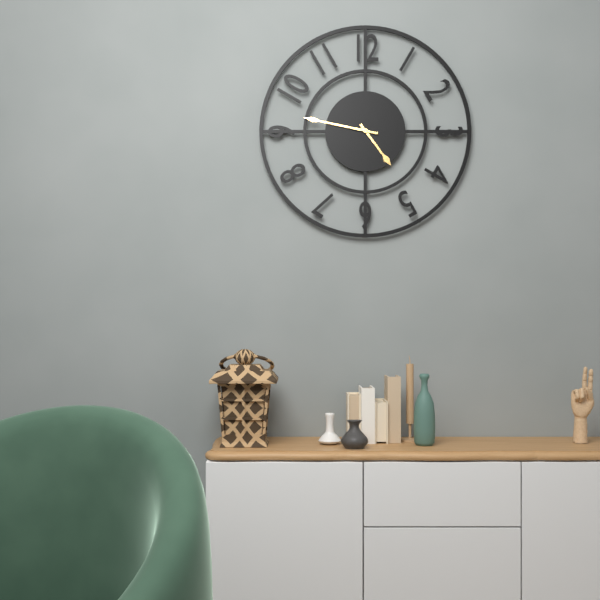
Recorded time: 4.47
